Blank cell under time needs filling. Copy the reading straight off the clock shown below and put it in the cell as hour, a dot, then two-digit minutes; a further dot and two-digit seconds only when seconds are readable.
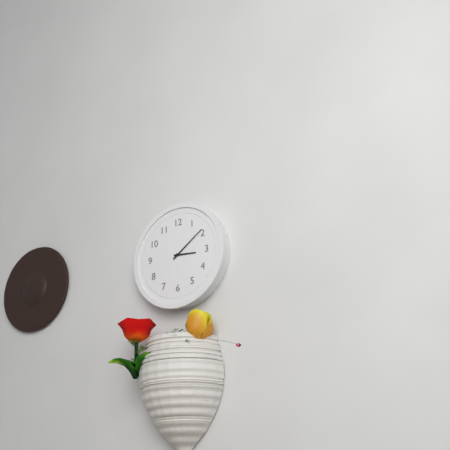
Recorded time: 3.09
